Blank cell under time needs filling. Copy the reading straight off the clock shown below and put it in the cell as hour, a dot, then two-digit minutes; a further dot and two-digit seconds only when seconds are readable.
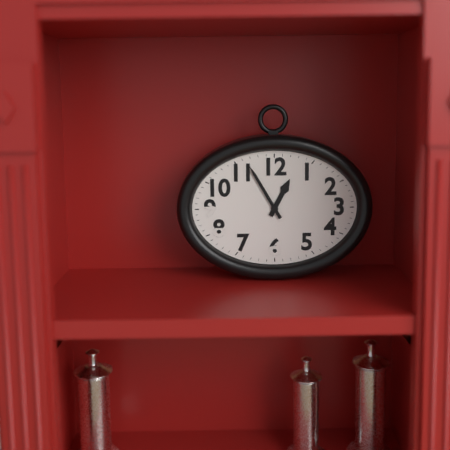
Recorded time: 12.55
